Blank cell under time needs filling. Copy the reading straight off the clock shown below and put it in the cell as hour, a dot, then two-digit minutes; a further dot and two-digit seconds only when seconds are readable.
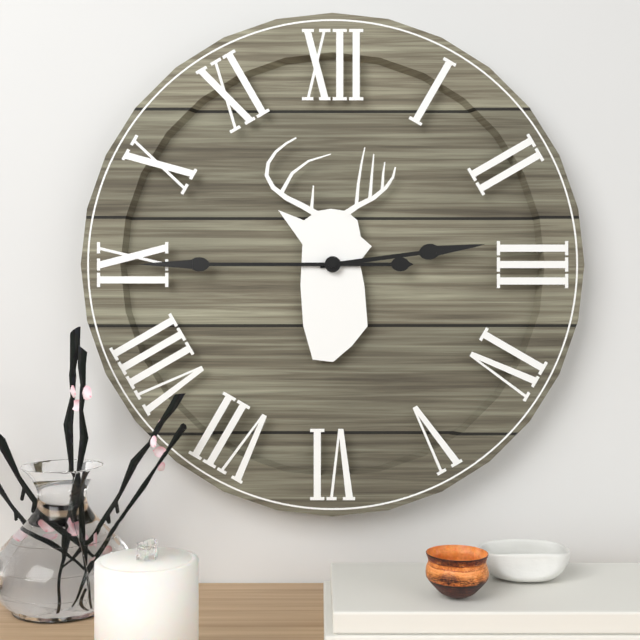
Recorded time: 2.45
